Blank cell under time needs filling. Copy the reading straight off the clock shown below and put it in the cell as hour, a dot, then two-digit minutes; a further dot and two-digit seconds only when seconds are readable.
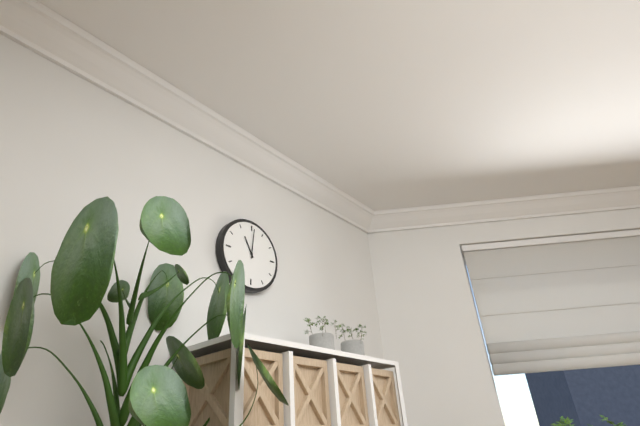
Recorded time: 11.01
